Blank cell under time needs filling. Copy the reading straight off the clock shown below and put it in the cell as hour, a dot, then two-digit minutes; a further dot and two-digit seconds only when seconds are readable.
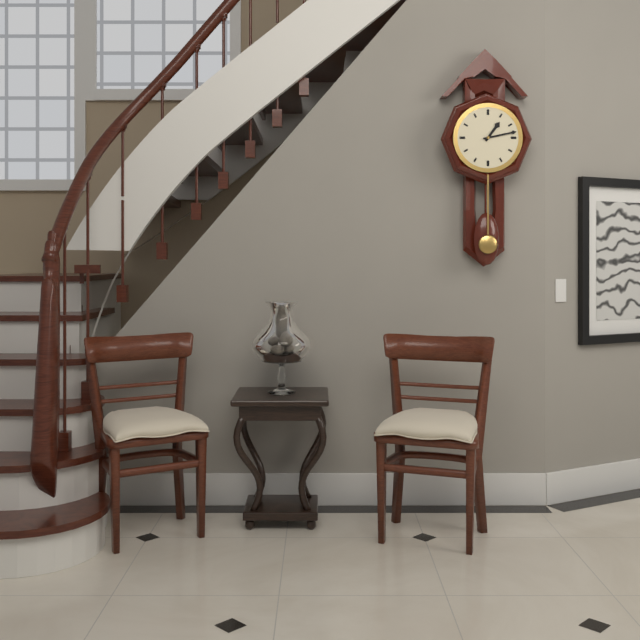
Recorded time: 1.13
